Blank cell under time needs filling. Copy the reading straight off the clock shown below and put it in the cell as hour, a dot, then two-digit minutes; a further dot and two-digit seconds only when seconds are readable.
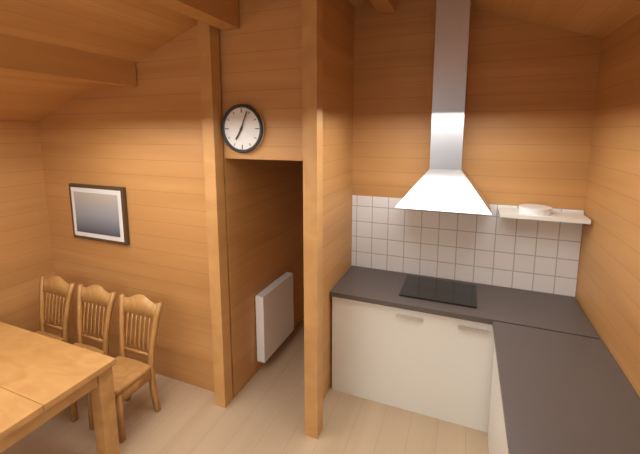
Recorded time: 7.04
